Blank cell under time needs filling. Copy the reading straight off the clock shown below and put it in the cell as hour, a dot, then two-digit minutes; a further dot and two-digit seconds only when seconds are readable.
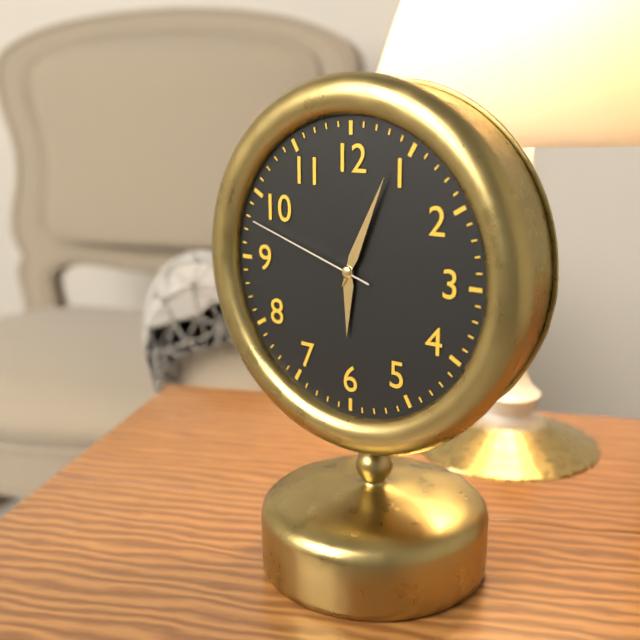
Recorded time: 6.04.48
